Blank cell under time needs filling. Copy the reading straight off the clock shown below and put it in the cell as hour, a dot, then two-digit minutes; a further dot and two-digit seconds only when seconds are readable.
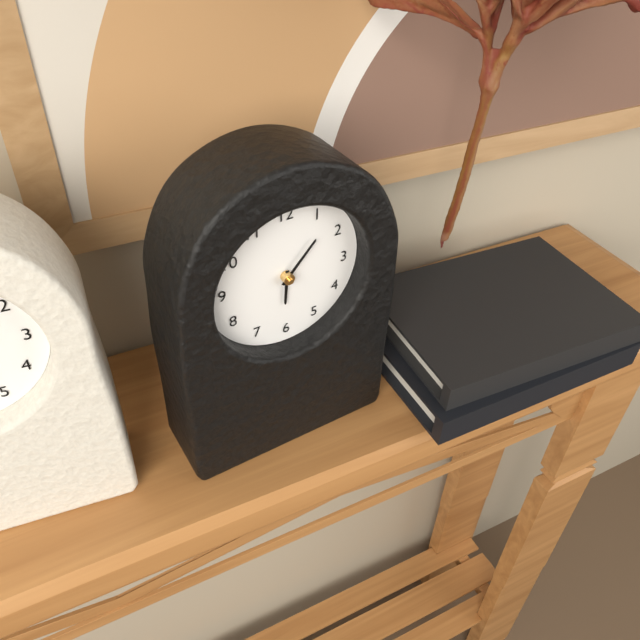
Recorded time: 6.07
